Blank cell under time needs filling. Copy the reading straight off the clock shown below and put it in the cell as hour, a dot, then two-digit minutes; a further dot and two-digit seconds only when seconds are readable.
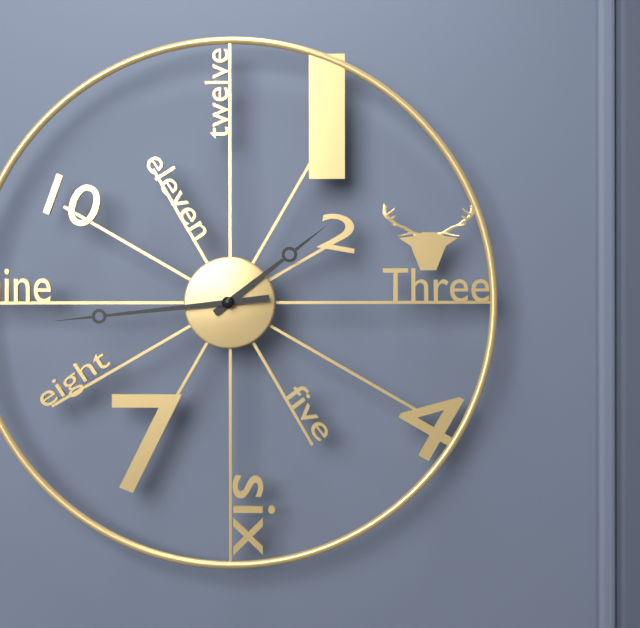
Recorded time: 1.44
